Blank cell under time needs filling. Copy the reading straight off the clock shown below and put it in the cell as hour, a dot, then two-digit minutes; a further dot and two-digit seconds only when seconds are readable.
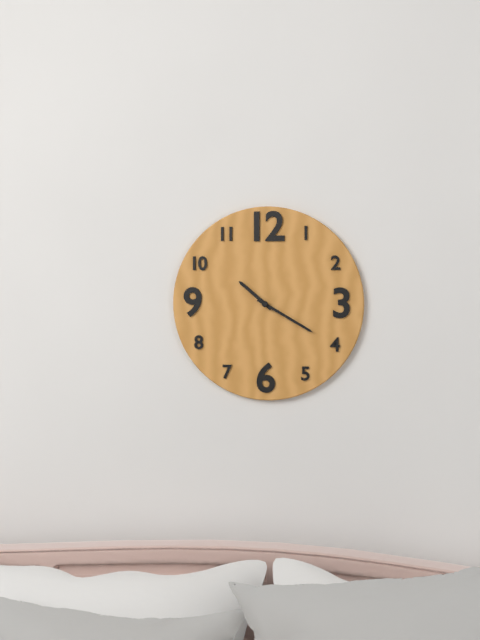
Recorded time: 10.20
